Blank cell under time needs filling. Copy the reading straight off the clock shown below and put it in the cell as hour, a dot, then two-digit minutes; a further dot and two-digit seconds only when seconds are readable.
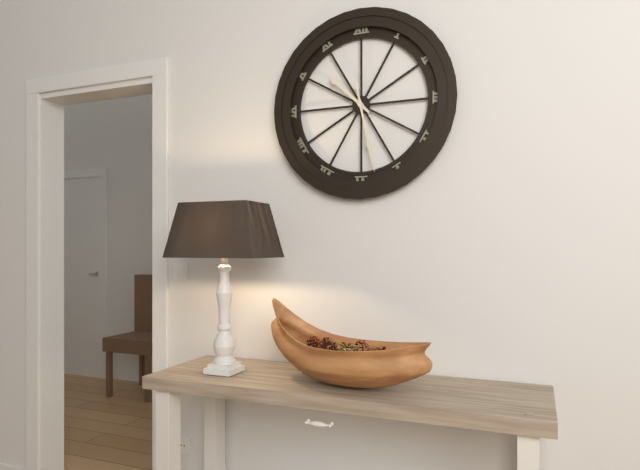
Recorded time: 10.28
